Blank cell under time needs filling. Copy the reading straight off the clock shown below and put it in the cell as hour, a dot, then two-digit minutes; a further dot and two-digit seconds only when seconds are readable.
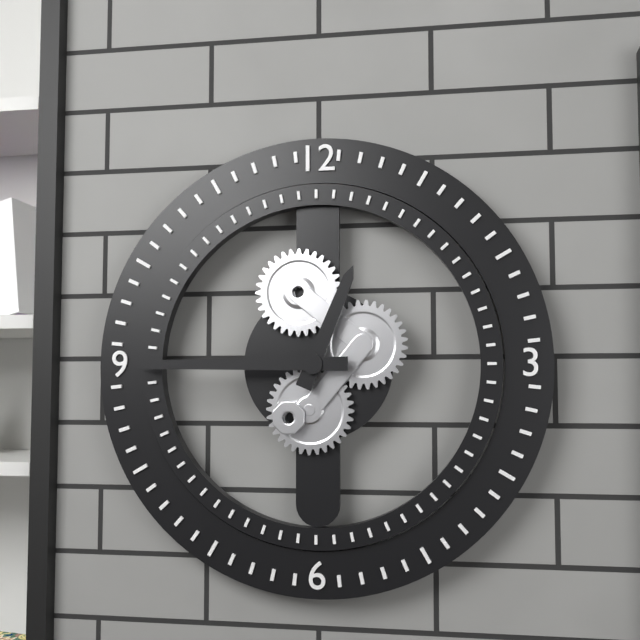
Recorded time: 12.45
